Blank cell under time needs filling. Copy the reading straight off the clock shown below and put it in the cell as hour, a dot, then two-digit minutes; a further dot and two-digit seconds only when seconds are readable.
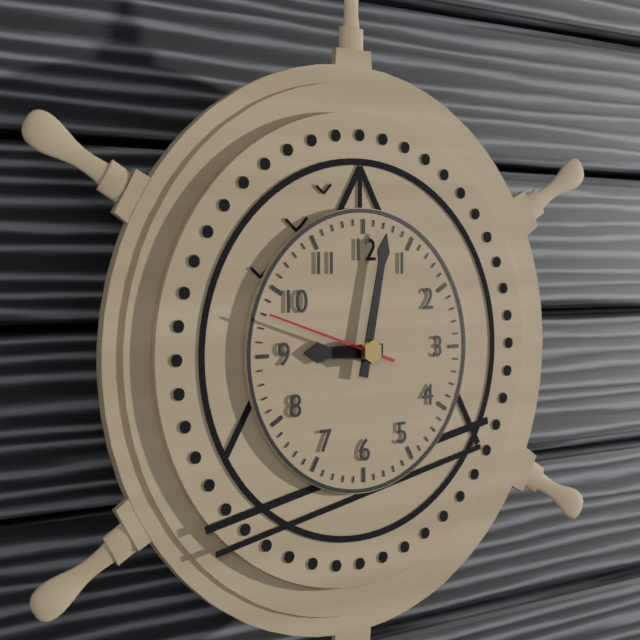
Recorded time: 9.02.48
